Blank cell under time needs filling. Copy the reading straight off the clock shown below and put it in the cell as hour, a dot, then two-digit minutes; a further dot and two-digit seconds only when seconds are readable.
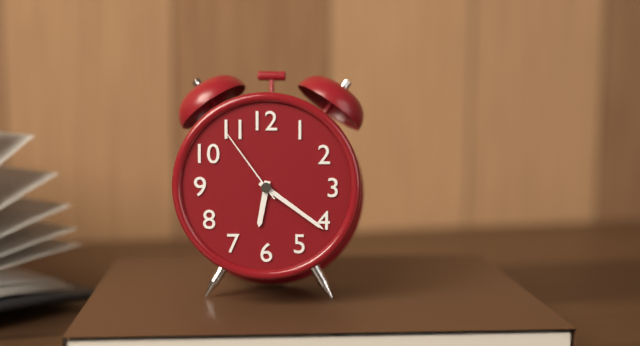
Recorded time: 6.21.54
